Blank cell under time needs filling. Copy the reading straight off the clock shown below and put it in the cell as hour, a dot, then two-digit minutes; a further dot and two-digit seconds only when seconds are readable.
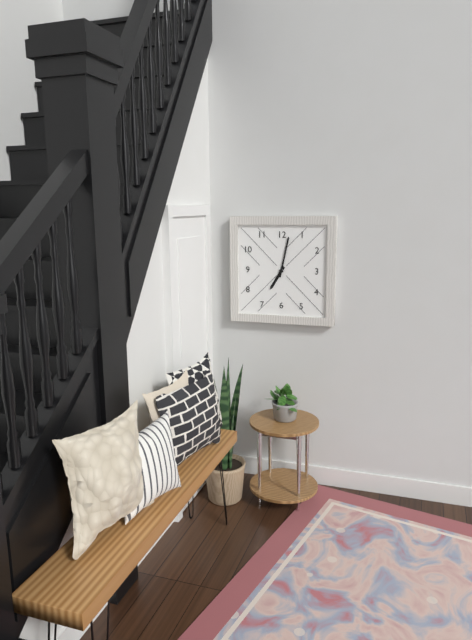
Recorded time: 7.02
